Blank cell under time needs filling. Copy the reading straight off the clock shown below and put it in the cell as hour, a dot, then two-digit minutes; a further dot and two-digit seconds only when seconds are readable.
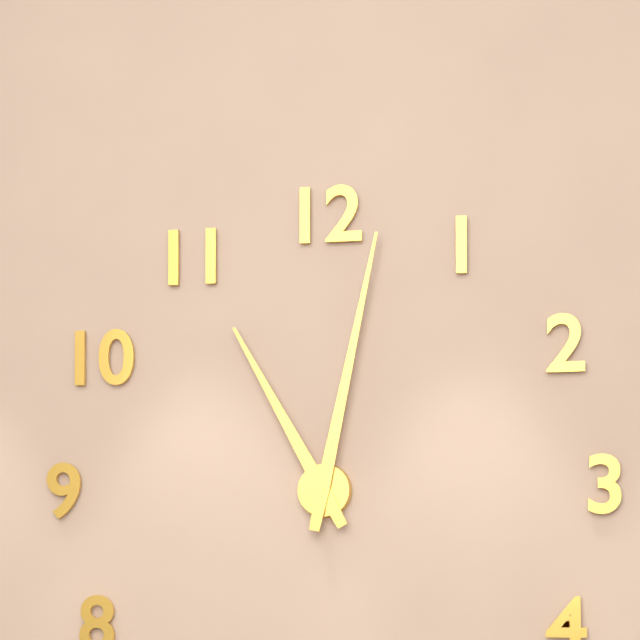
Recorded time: 11.02
